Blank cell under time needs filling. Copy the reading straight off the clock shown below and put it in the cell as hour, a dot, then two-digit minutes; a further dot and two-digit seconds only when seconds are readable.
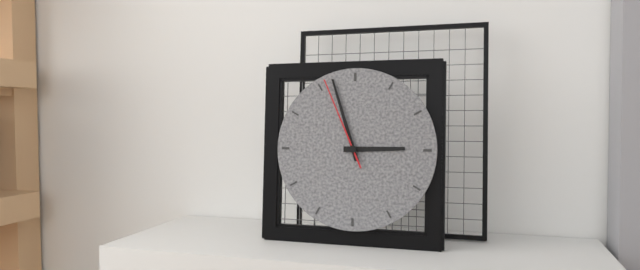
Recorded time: 2.57.56
